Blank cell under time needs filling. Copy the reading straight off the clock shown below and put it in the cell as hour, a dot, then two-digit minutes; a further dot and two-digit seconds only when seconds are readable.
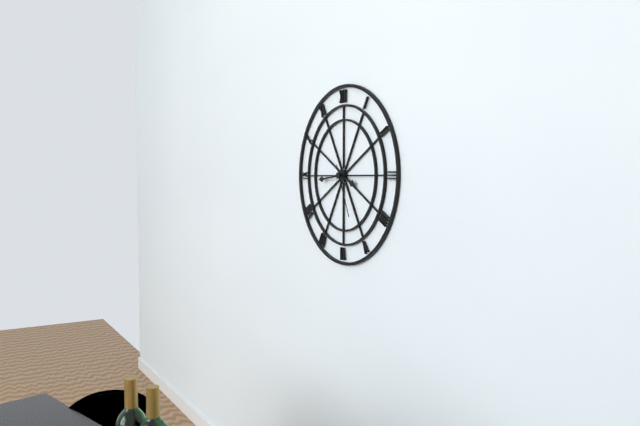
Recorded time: 3.44.26
